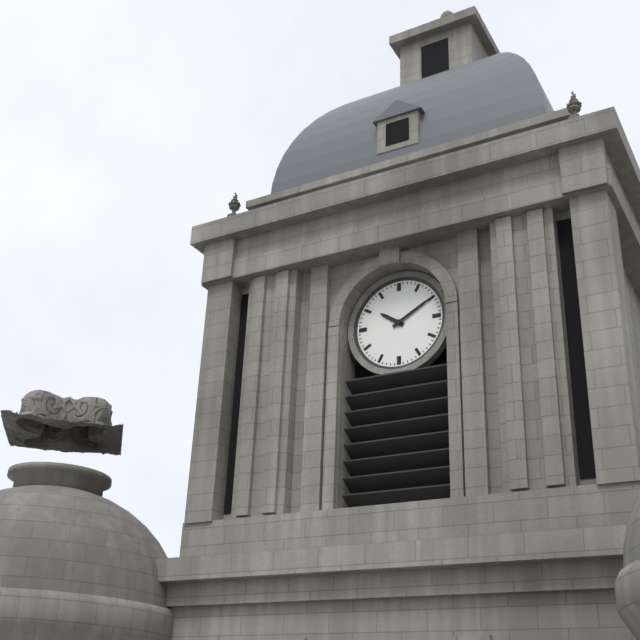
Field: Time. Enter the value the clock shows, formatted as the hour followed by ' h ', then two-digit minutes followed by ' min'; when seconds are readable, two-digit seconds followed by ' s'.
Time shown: 10 h 10 min
